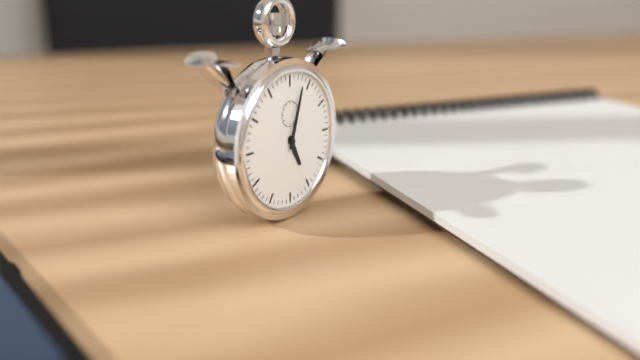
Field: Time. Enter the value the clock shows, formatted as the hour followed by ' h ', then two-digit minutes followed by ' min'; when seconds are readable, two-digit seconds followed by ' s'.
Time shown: 5 h 03 min
